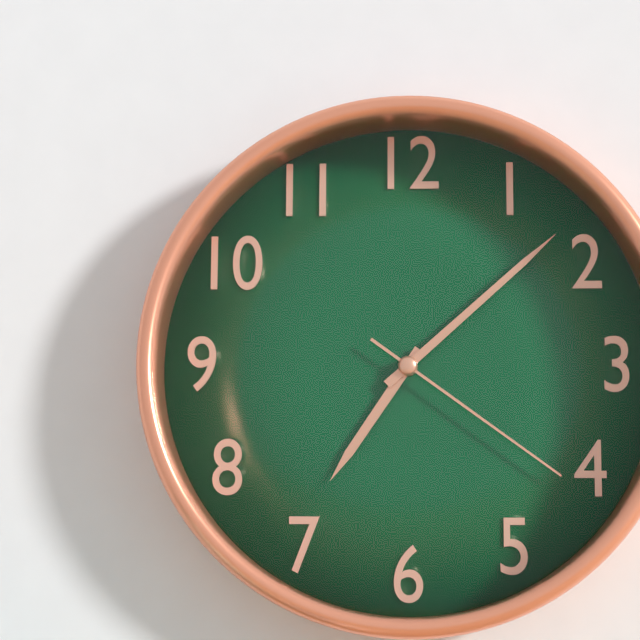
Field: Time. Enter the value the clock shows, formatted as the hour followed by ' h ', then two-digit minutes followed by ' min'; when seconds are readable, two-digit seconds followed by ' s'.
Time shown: 7 h 08 min 21 s
